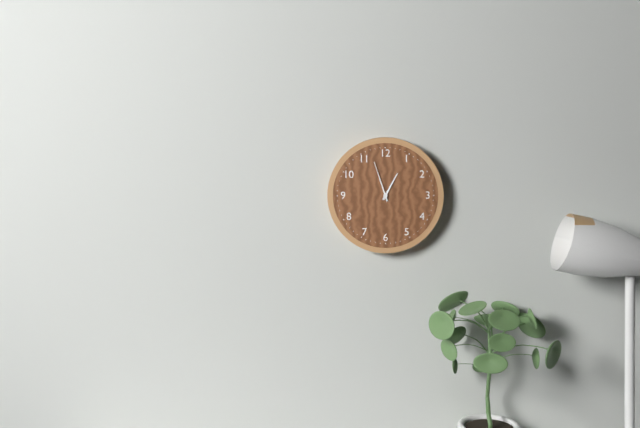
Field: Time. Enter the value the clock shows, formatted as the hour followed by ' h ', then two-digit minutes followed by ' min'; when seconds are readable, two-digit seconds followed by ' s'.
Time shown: 12 h 57 min
